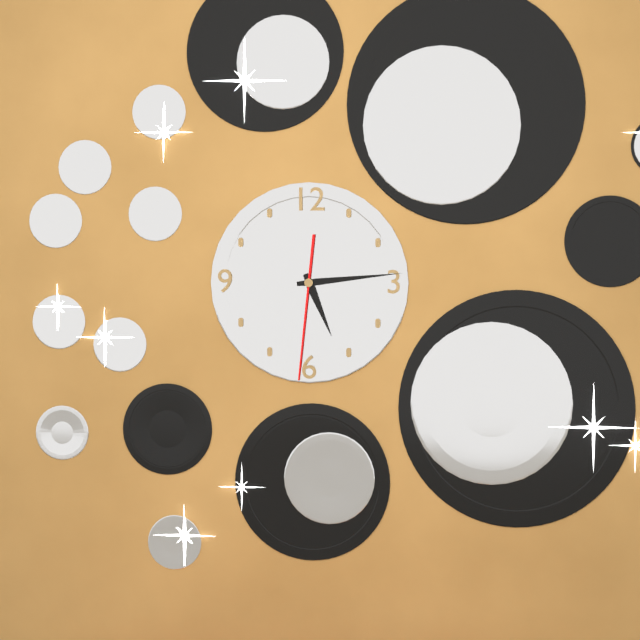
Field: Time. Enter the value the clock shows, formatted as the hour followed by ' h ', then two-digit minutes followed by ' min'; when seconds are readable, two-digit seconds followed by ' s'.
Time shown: 5 h 14 min 31 s
